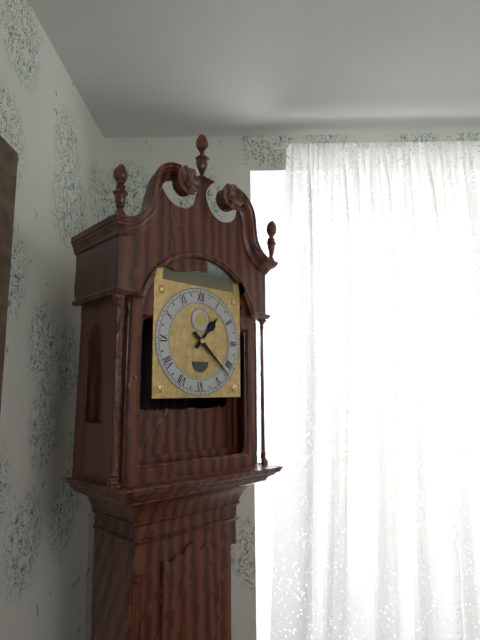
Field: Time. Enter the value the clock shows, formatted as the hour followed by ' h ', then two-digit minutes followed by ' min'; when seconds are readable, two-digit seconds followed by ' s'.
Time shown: 1 h 22 min
